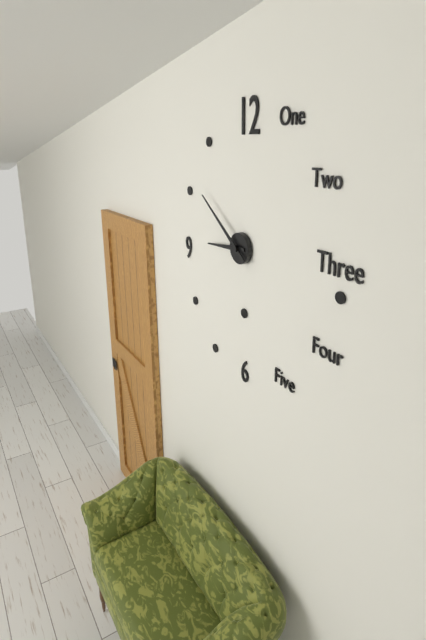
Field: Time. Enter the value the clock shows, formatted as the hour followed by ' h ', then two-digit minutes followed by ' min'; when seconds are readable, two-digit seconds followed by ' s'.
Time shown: 8 h 51 min
